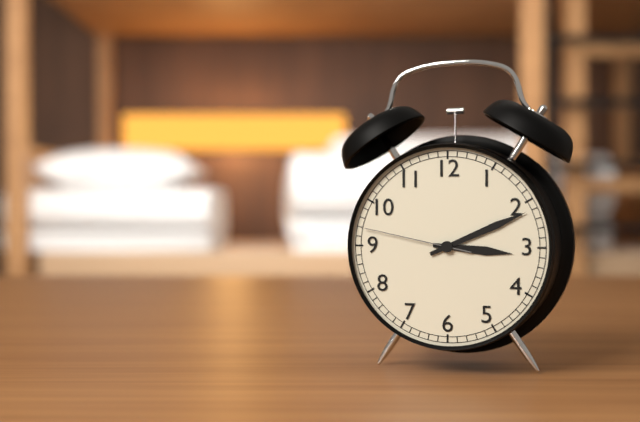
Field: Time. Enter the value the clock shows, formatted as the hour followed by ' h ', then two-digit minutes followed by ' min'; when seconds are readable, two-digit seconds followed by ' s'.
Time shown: 3 h 11 min 47 s
